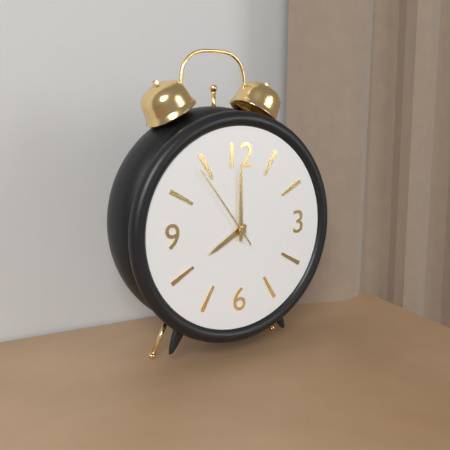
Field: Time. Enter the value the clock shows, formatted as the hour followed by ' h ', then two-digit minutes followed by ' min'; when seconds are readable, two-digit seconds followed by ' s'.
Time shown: 8 h 00 min 54 s
